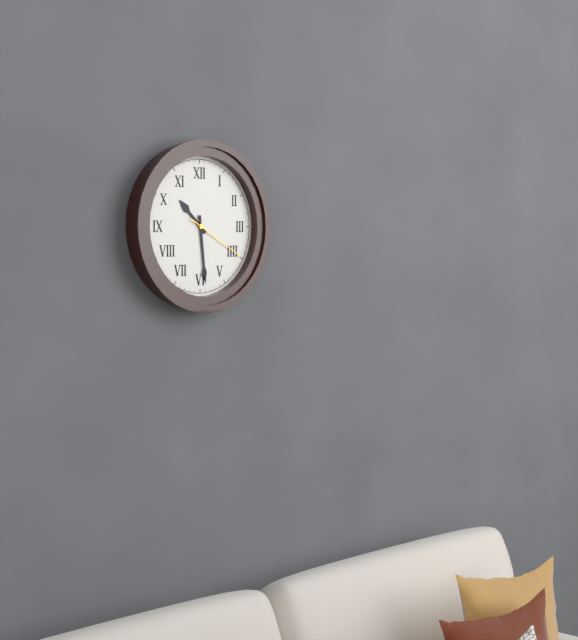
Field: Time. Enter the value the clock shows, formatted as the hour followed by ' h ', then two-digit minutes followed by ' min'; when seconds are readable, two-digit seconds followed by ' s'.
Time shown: 10 h 29 min 20 s
